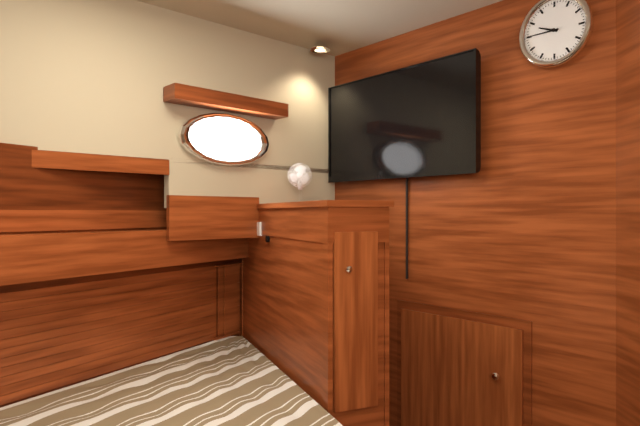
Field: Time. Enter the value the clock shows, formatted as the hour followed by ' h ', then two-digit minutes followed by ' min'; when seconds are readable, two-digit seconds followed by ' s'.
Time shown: 9 h 45 min
